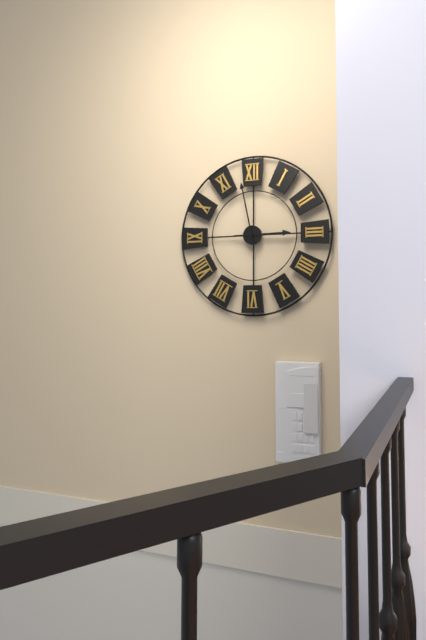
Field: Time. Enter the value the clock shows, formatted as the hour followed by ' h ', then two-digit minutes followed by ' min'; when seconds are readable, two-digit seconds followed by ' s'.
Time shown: 2 h 58 min
